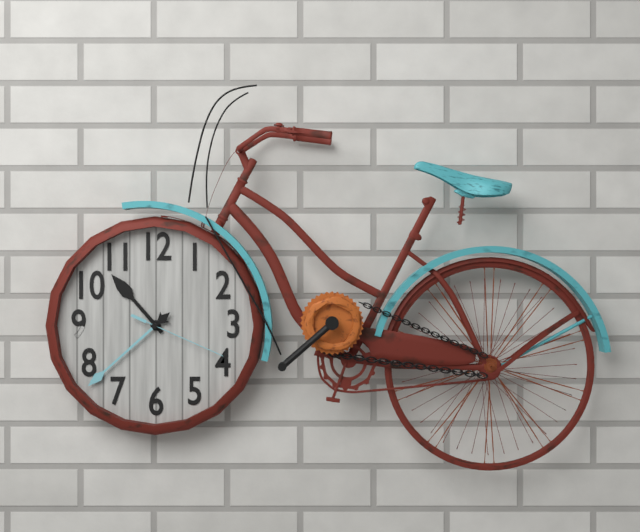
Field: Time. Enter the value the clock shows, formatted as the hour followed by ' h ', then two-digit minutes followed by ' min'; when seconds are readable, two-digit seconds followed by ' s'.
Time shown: 10 h 38 min 19 s
